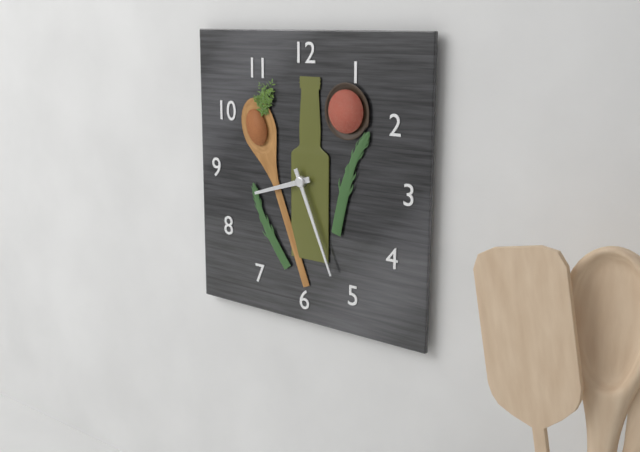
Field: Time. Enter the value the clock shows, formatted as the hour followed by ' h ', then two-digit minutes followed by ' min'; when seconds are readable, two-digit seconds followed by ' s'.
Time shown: 8 h 26 min
